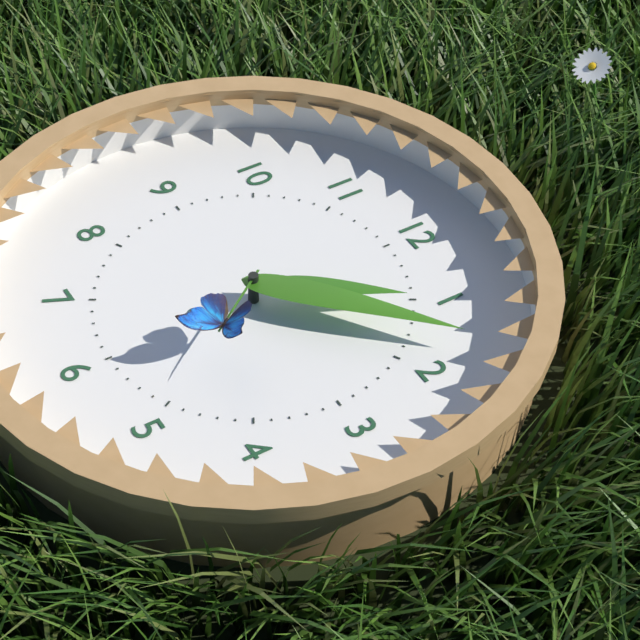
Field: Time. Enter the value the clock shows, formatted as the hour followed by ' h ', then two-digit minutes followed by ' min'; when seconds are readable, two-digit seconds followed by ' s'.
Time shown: 1 h 08 min 24 s
